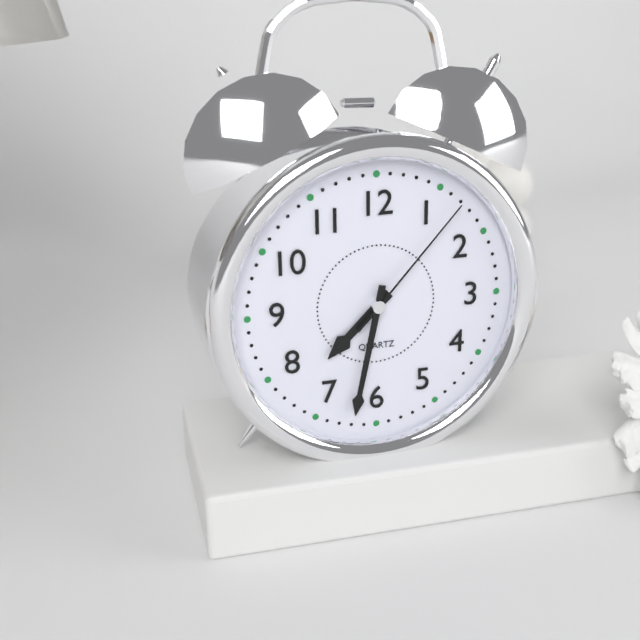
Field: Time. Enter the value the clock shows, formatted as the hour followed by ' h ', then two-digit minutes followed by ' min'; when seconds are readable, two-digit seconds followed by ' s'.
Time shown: 7 h 32 min 07 s
